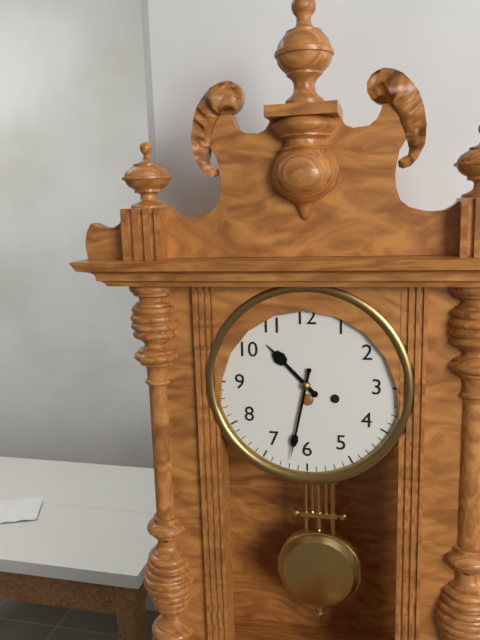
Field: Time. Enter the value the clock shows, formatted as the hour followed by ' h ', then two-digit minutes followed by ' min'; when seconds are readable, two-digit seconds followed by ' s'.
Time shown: 10 h 32 min
